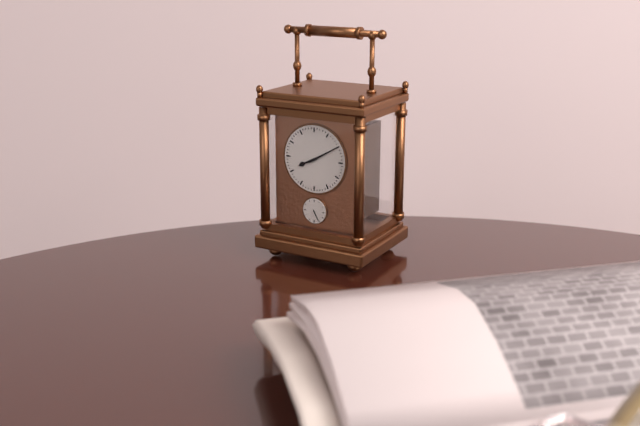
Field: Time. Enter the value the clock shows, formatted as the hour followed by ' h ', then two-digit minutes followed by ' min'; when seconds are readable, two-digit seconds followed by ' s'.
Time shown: 8 h 10 min
